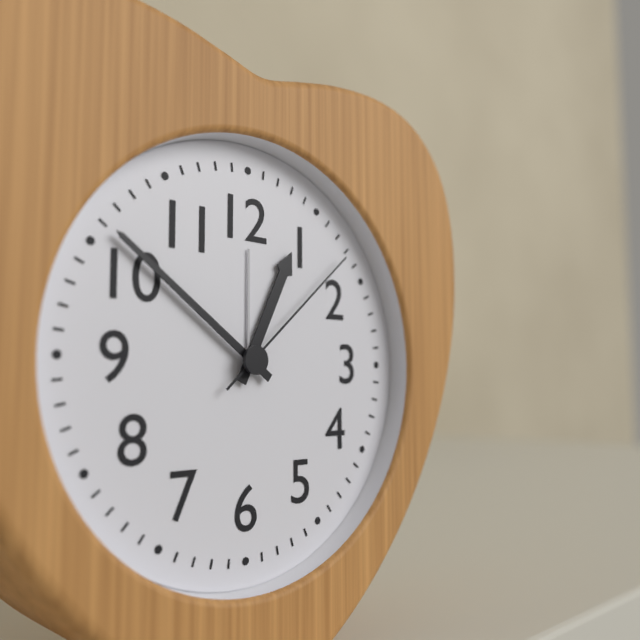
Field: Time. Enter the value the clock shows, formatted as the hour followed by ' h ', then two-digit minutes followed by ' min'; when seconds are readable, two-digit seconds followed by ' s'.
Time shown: 12 h 51 min 08 s
